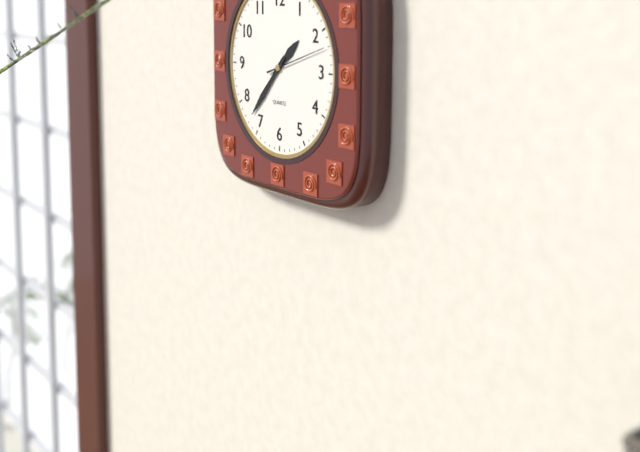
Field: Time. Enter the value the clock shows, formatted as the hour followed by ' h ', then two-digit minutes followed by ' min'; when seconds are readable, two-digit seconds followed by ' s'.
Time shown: 1 h 37 min 12 s
